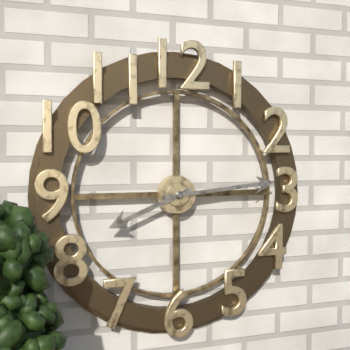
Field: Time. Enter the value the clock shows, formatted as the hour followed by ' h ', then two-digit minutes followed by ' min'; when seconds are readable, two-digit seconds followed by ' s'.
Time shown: 8 h 14 min
